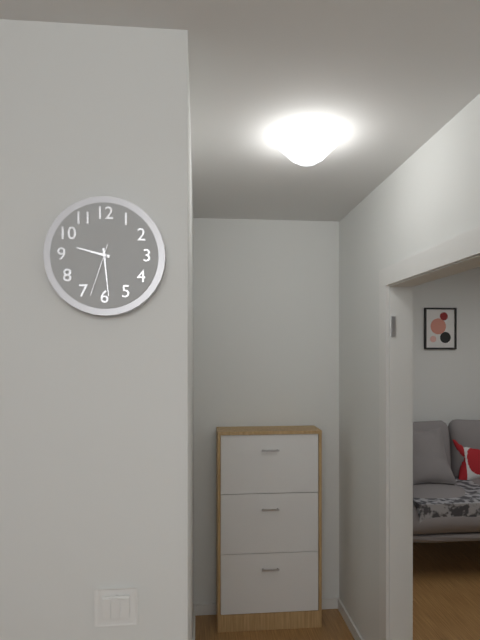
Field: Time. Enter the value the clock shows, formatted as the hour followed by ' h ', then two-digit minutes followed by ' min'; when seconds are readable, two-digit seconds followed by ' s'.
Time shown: 9 h 29 min 33 s
